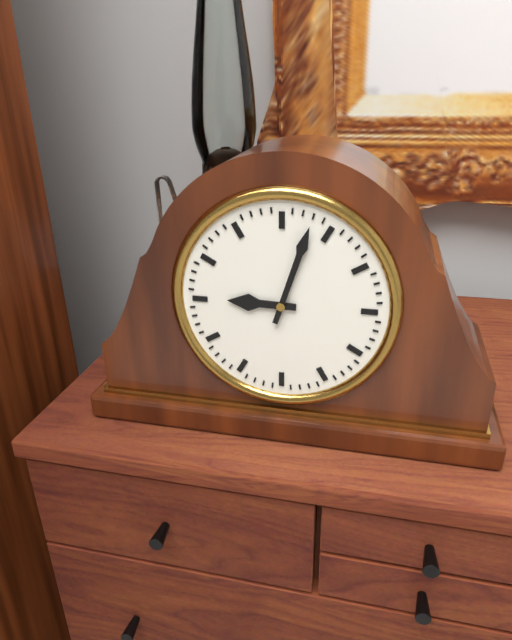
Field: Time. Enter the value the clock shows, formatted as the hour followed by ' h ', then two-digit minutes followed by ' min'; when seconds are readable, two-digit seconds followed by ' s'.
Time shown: 9 h 03 min
